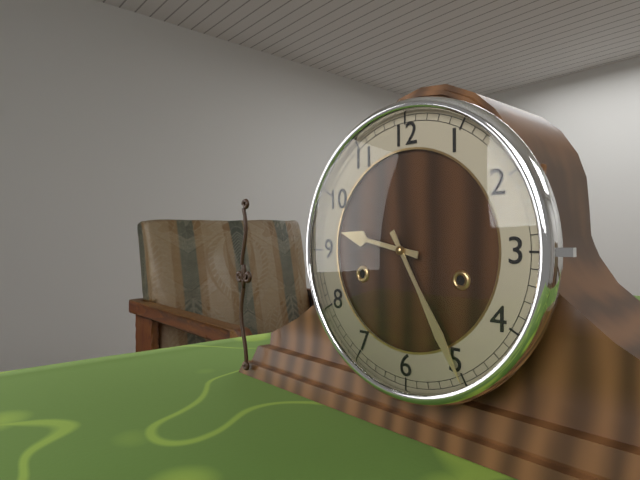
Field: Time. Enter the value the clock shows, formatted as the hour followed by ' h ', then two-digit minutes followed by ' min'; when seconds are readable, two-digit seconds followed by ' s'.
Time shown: 9 h 25 min
